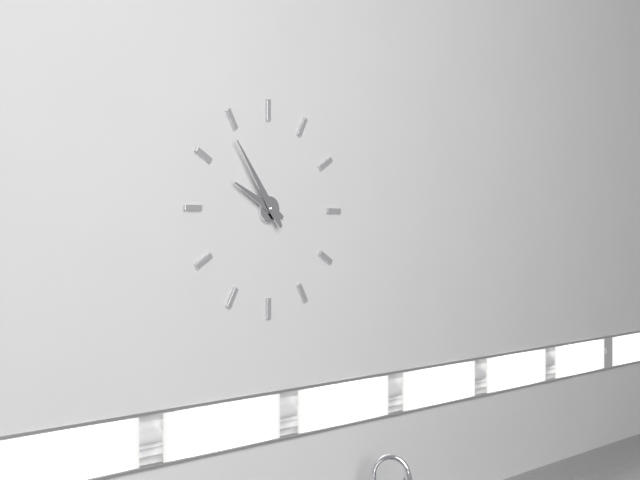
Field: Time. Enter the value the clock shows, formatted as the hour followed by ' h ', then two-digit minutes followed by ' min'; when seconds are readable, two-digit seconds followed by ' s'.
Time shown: 9 h 54 min
